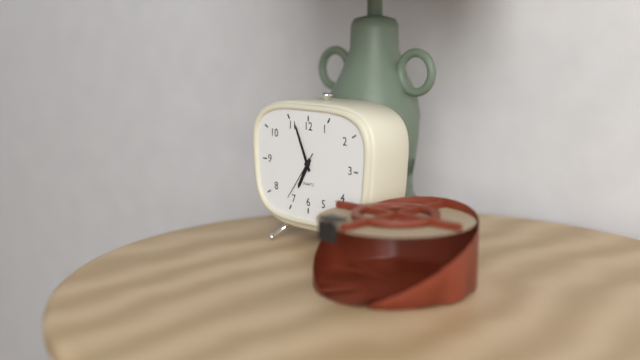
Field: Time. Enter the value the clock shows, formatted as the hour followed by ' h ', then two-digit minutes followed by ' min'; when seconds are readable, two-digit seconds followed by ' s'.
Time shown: 6 h 56 min
